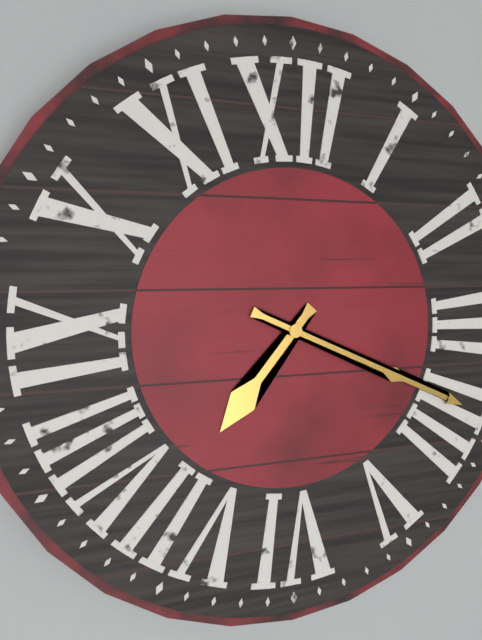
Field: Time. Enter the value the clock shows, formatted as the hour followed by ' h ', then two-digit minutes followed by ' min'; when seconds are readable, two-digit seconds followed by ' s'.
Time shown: 7 h 19 min
